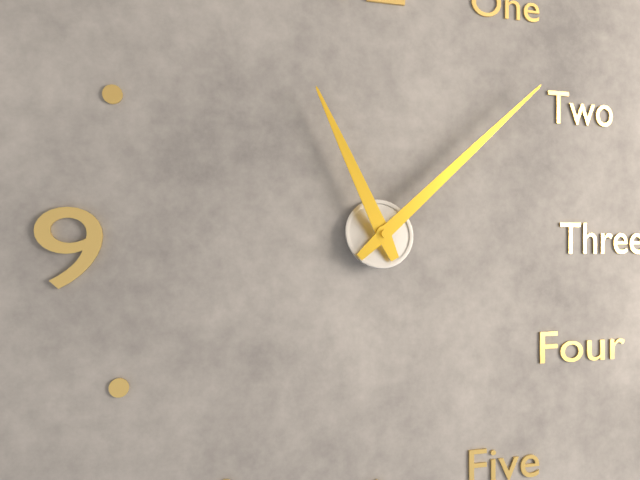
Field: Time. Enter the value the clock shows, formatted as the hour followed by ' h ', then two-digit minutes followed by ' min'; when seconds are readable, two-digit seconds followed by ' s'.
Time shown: 11 h 08 min
